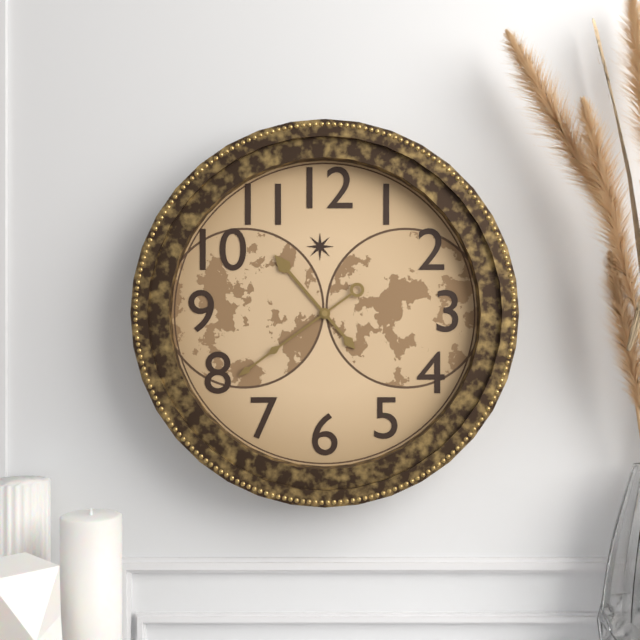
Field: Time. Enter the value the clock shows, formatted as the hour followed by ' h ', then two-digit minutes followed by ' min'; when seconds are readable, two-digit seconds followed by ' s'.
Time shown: 10 h 39 min
